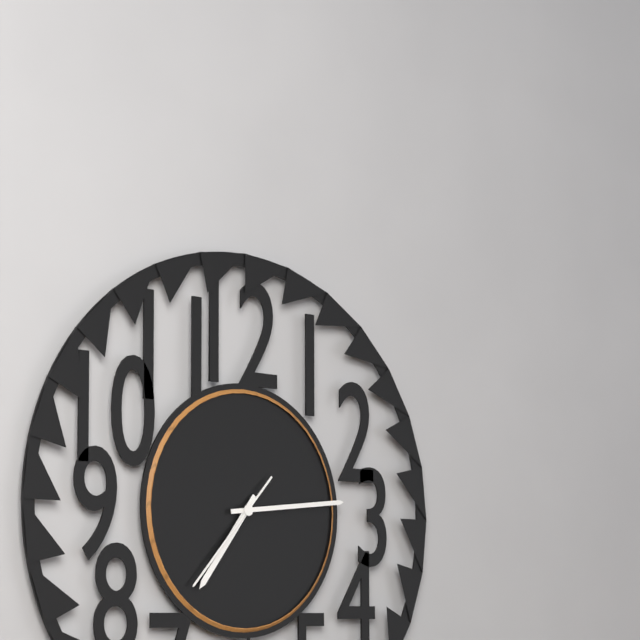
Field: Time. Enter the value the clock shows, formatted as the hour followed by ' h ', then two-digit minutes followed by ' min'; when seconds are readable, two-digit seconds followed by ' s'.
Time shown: 7 h 14 min 37 s
